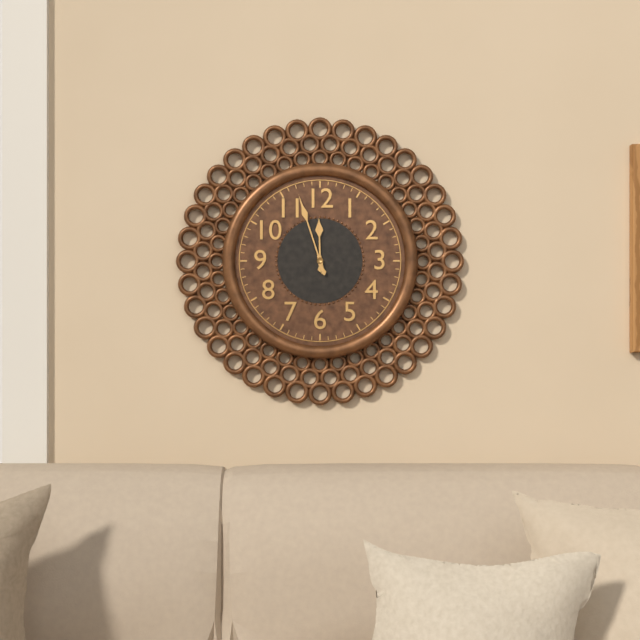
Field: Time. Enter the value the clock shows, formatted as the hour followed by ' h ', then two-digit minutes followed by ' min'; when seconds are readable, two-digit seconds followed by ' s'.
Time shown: 11 h 57 min
